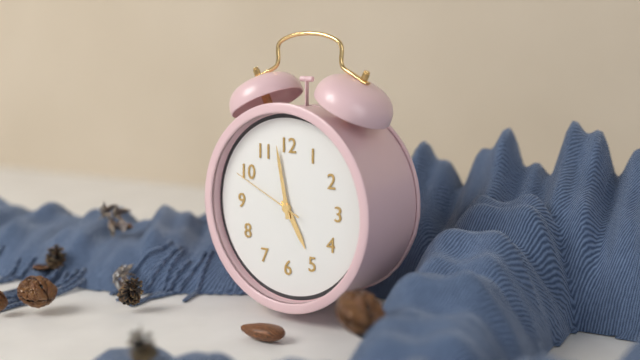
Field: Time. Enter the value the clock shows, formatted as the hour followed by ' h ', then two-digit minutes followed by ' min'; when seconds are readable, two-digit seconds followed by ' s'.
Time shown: 4 h 58 min 49 s
